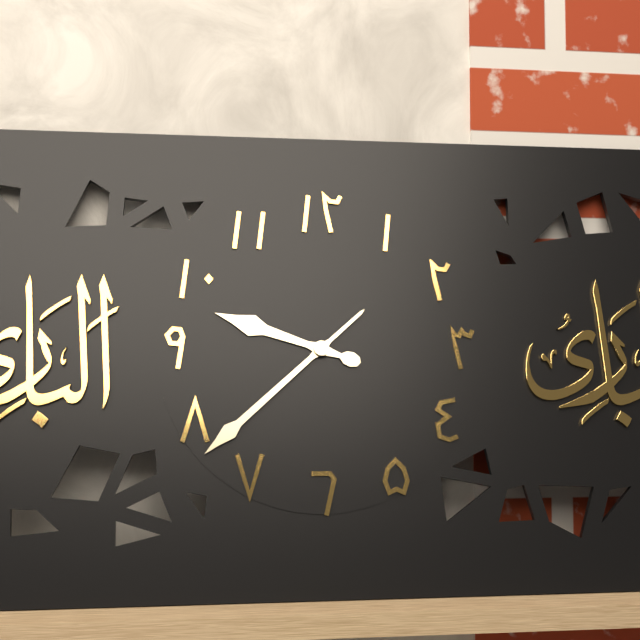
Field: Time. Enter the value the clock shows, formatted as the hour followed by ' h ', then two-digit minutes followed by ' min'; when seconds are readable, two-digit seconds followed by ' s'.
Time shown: 9 h 38 min
